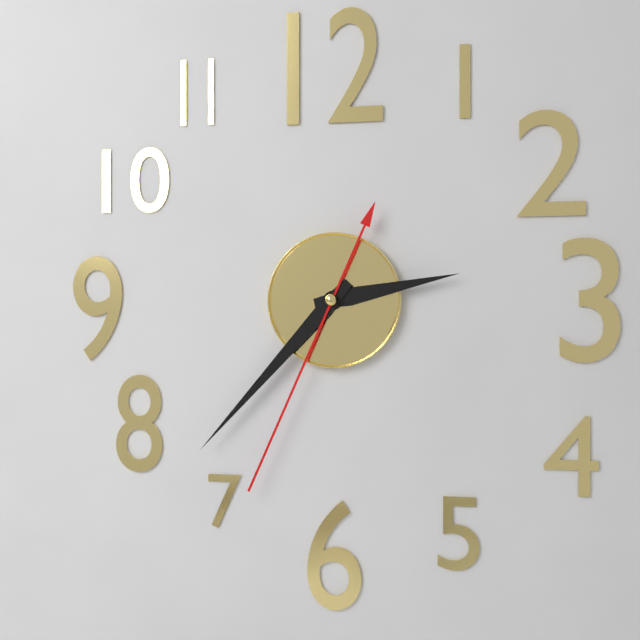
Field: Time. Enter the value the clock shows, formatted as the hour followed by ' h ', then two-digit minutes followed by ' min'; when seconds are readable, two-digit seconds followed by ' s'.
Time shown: 2 h 37 min 34 s
